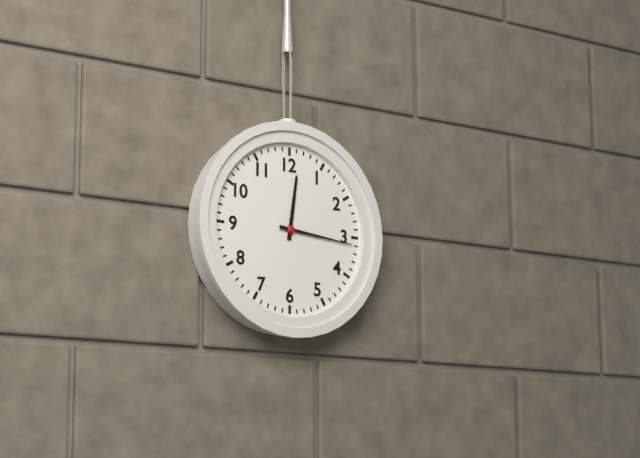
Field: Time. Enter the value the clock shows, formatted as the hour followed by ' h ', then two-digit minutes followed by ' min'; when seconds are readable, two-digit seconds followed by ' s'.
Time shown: 12 h 16 min
